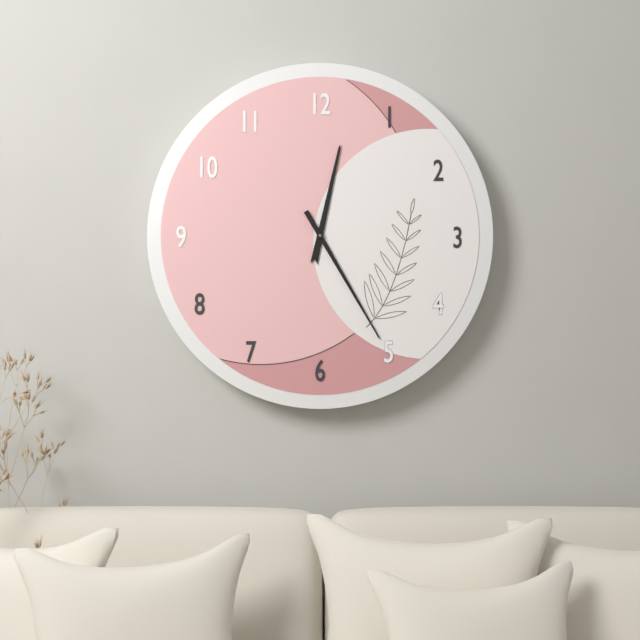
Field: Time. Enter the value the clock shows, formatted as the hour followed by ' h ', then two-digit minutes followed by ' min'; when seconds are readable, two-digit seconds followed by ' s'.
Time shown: 12 h 25 min
